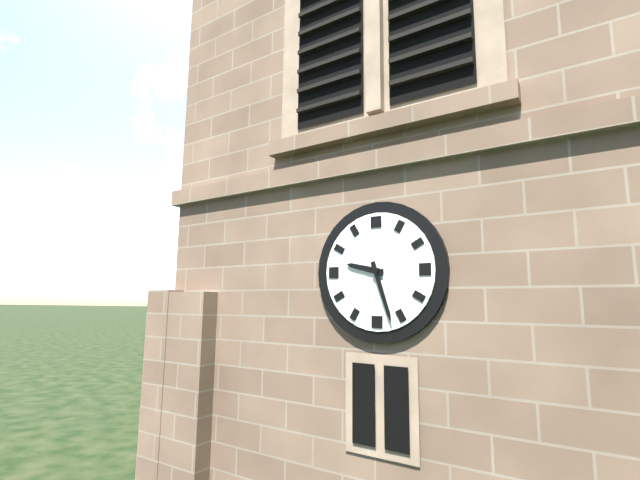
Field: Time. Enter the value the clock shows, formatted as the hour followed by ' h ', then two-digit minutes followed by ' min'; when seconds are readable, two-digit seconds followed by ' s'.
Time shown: 9 h 27 min
